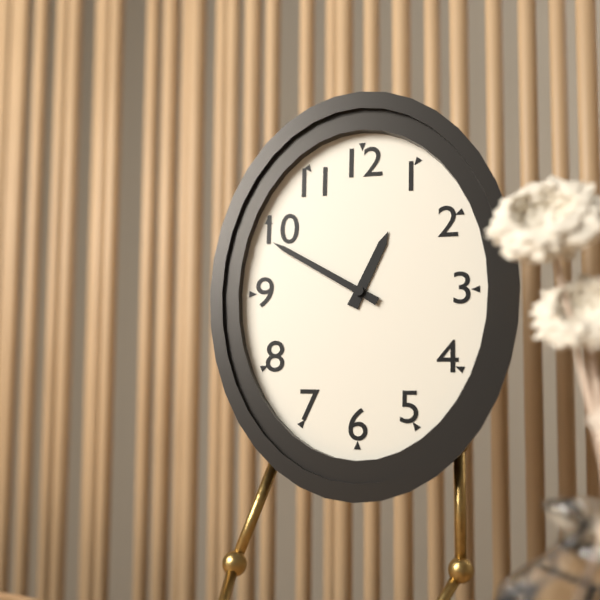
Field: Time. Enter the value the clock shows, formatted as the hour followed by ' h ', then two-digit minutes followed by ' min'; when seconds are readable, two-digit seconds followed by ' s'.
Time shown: 12 h 50 min
